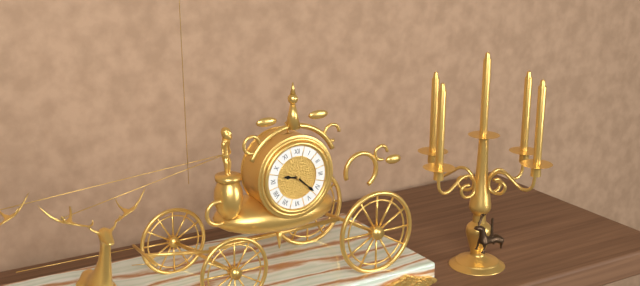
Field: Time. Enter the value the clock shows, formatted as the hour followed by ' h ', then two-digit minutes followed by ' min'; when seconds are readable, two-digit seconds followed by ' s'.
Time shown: 9 h 22 min
